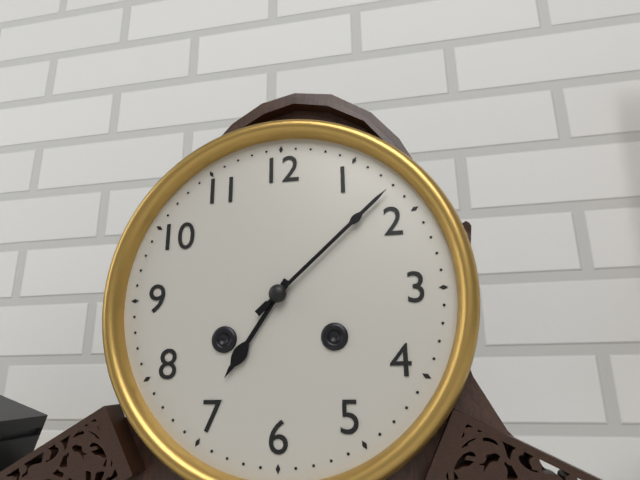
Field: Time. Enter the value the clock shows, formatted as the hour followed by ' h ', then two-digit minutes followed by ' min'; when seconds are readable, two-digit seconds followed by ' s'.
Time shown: 7 h 08 min
